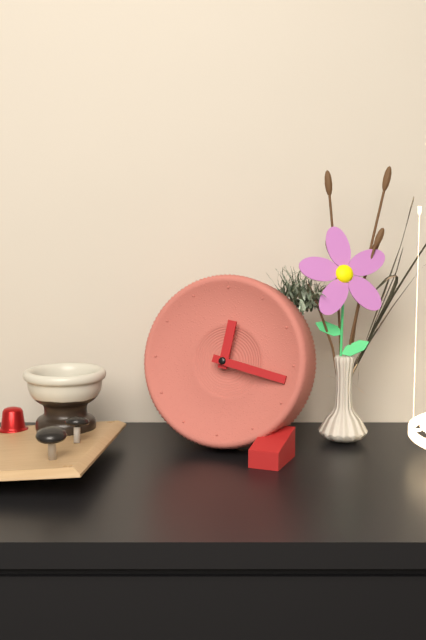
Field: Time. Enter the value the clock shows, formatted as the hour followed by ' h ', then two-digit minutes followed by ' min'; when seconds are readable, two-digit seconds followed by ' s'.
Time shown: 12 h 17 min
